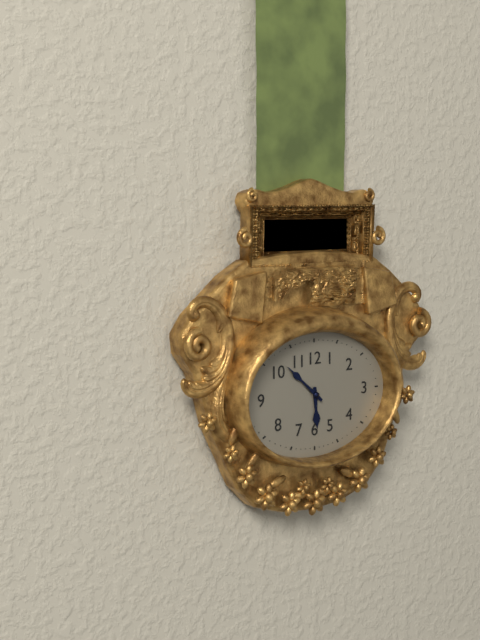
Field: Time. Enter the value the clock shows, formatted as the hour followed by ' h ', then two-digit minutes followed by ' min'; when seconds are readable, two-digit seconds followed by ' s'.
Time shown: 5 h 52 min
